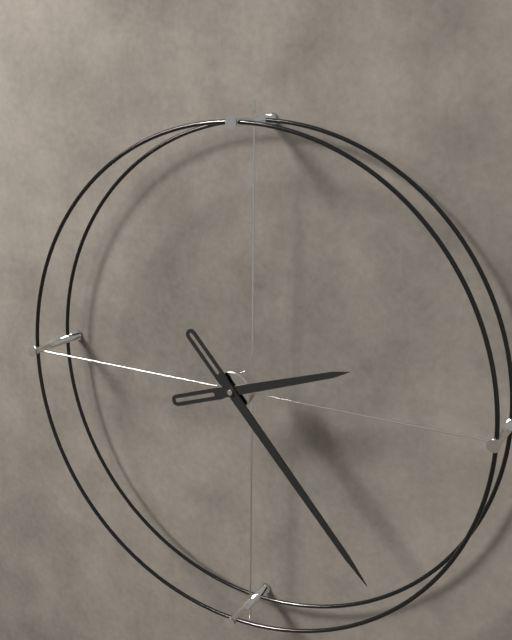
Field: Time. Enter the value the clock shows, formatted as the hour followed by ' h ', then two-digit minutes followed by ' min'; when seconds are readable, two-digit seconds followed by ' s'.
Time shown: 2 h 23 min
